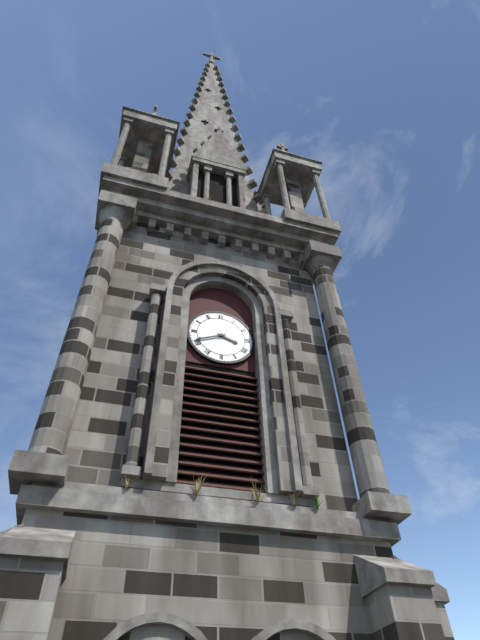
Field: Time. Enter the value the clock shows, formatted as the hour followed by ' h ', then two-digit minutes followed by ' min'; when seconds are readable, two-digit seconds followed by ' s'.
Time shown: 3 h 41 min
